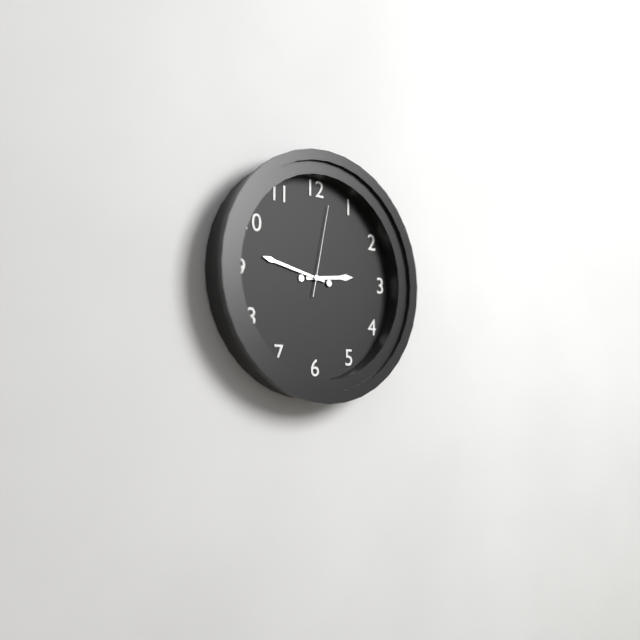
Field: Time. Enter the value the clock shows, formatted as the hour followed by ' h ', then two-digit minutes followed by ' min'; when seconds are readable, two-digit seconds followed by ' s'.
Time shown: 2 h 47 min 02 s
